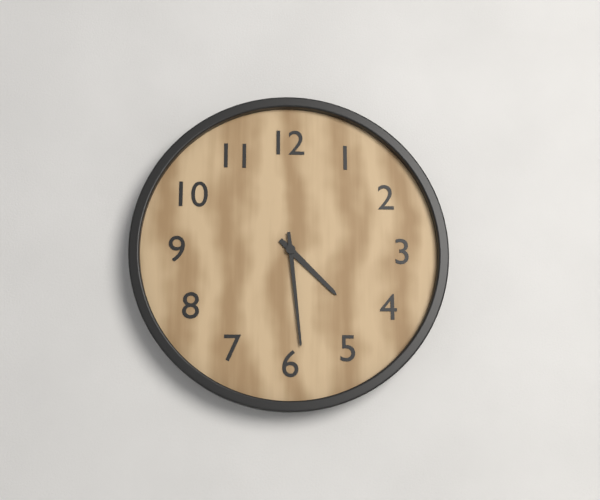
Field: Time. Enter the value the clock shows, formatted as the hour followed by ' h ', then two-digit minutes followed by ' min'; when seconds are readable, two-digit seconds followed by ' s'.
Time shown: 4 h 29 min
